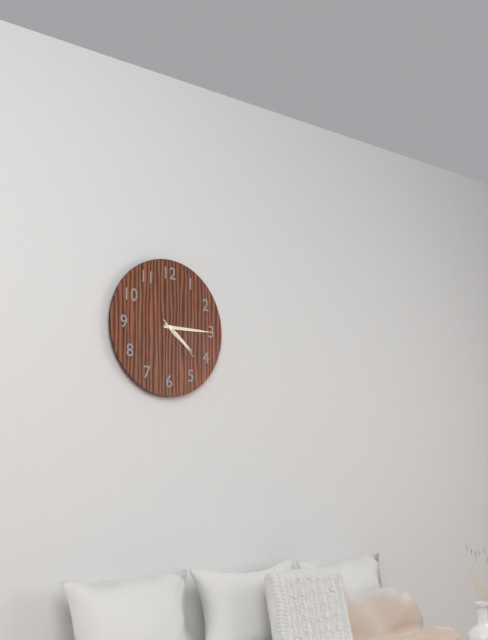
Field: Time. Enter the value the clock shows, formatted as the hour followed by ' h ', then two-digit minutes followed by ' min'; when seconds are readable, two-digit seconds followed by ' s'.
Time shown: 4 h 15 min
